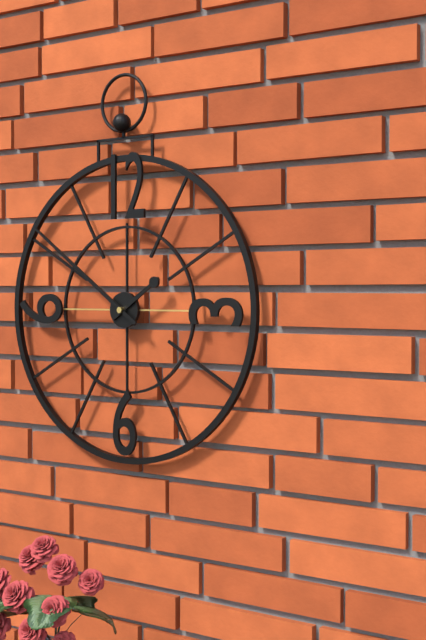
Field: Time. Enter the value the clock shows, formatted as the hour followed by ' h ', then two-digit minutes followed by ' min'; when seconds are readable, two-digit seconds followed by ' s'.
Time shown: 1 h 51 min
